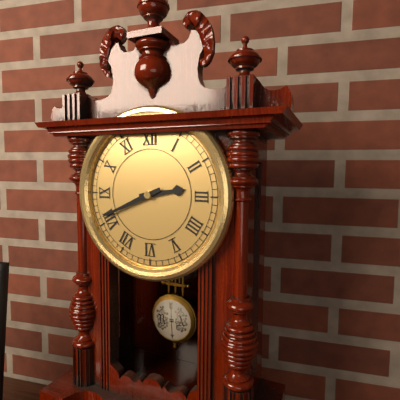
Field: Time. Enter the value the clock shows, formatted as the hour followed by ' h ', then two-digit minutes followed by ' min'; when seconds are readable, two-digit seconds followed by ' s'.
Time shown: 2 h 41 min
